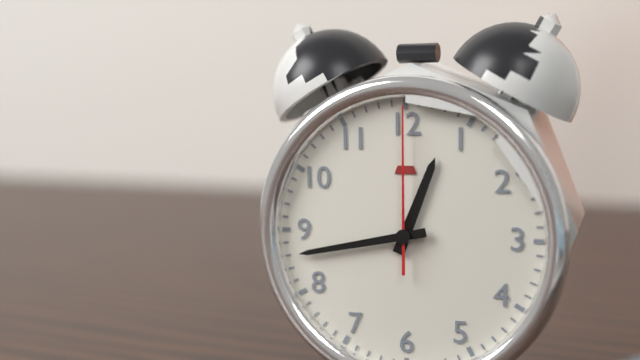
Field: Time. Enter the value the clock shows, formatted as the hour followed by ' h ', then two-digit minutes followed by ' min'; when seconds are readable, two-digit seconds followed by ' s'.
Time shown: 12 h 43 min 00 s
